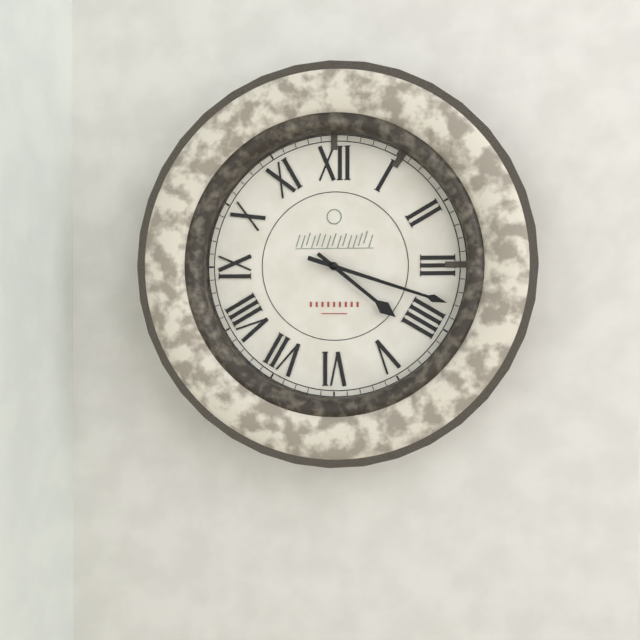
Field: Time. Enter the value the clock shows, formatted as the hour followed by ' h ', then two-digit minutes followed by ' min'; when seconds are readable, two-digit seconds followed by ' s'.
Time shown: 4 h 18 min
